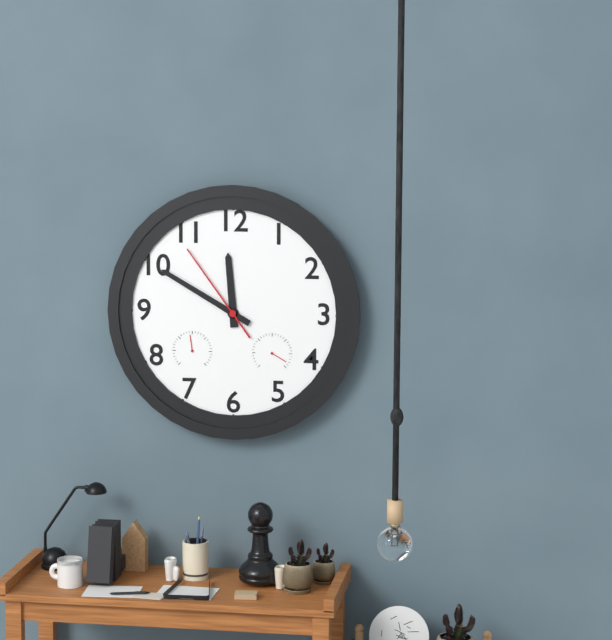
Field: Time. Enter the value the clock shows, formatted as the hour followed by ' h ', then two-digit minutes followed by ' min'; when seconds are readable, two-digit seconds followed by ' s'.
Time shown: 11 h 50 min 54 s
